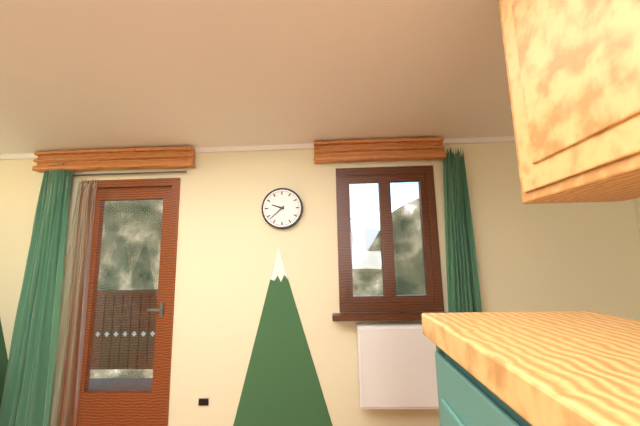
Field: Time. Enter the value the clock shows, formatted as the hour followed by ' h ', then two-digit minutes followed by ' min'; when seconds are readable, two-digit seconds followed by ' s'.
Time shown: 9 h 38 min
